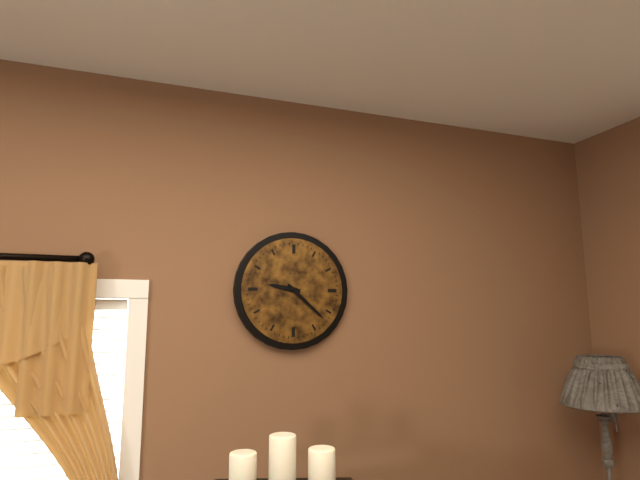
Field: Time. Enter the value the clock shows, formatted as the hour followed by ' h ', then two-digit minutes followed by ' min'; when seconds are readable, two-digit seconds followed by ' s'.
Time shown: 9 h 22 min
